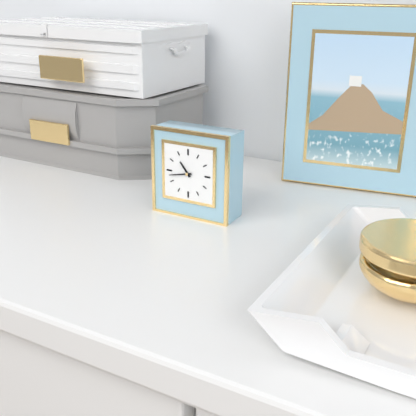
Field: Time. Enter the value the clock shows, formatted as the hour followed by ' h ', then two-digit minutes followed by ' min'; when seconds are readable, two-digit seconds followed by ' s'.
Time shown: 10 h 43 min
